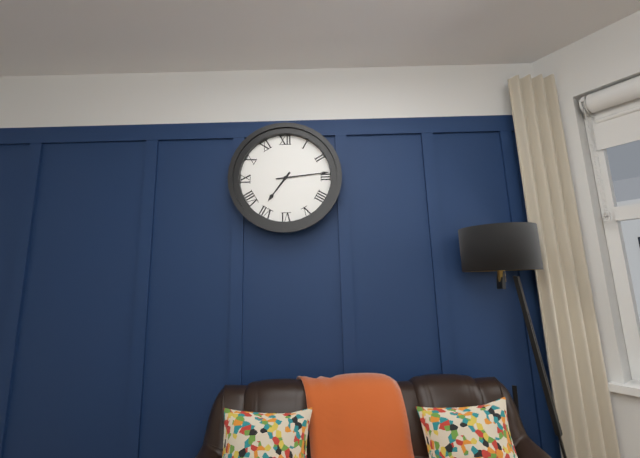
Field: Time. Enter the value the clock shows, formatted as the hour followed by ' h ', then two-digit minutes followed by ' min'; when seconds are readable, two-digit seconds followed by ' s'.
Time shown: 7 h 14 min
